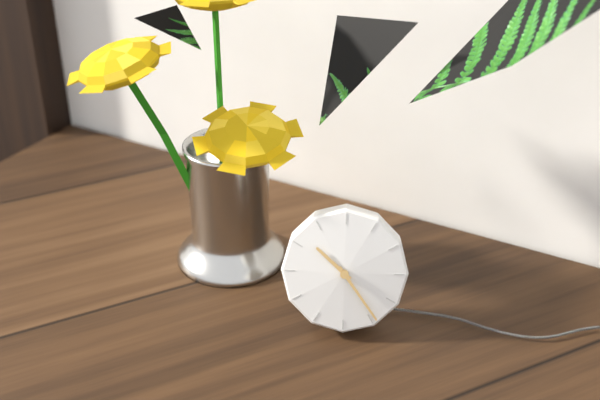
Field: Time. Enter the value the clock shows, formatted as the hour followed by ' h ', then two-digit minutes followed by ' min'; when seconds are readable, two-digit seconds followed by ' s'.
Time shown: 10 h 24 min
